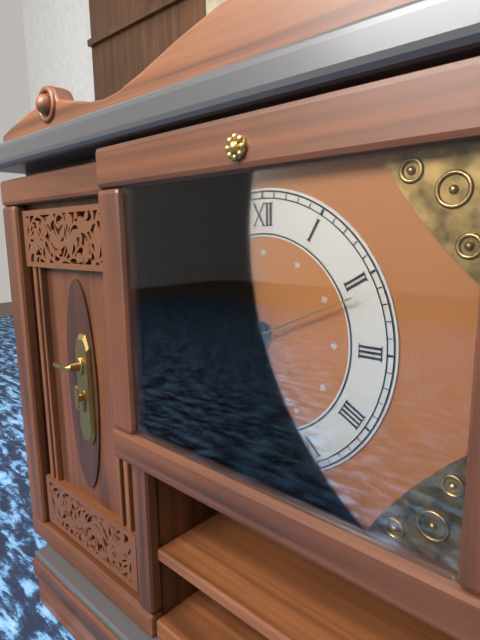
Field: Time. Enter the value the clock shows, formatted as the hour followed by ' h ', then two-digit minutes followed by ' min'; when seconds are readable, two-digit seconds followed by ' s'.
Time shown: 6 h 32 min 11 s
